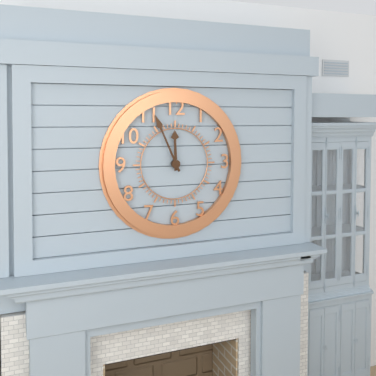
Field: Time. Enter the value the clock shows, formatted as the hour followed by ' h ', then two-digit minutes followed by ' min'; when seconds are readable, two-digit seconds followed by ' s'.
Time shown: 11 h 56 min
